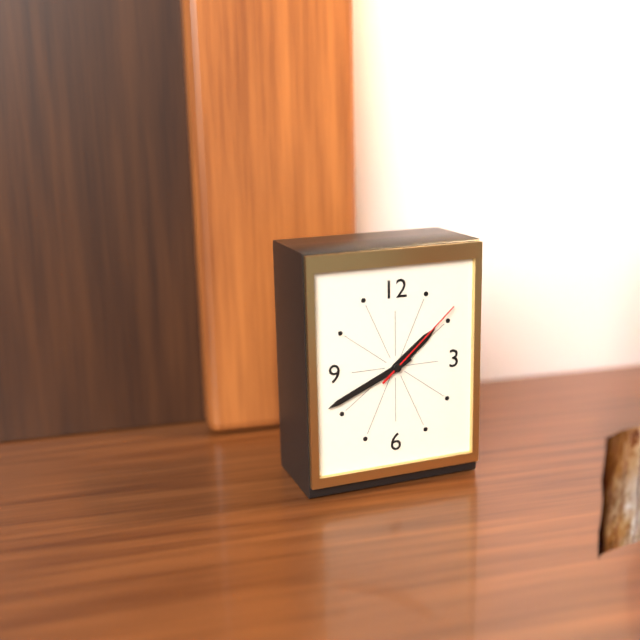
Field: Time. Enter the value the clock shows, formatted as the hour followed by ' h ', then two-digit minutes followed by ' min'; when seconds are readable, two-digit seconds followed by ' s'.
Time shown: 1 h 41 min 08 s
